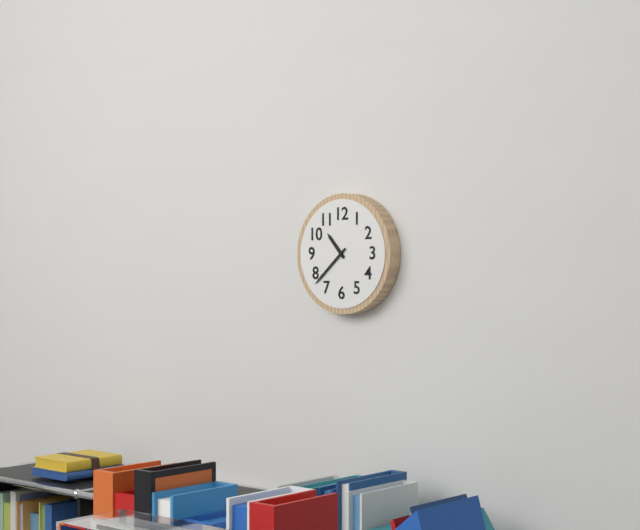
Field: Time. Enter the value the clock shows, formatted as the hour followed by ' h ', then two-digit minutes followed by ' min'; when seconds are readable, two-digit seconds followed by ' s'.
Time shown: 10 h 38 min
